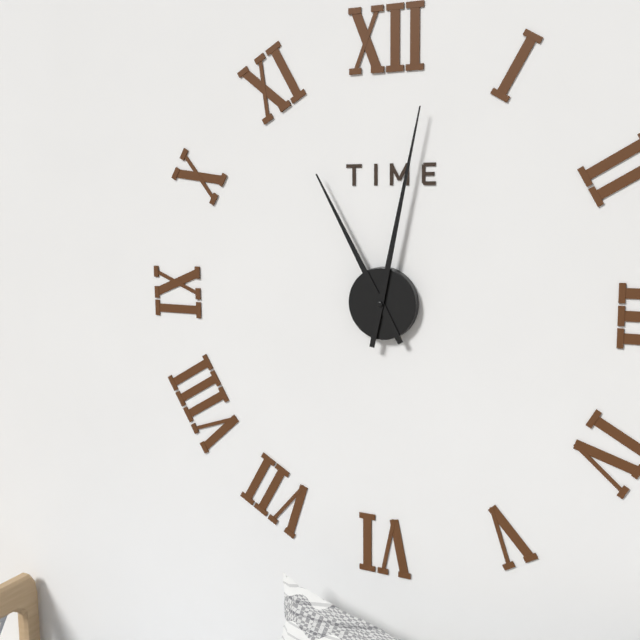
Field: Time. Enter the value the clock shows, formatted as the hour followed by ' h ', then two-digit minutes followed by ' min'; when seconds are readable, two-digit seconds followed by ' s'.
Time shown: 11 h 02 min
